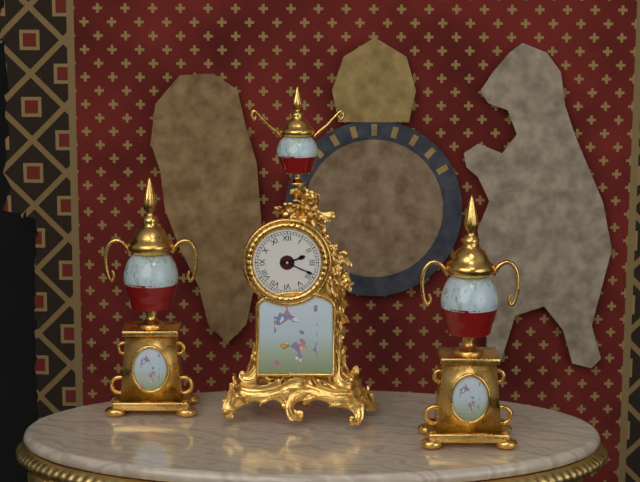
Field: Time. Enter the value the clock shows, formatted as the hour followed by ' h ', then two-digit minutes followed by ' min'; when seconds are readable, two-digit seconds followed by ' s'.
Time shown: 2 h 19 min
